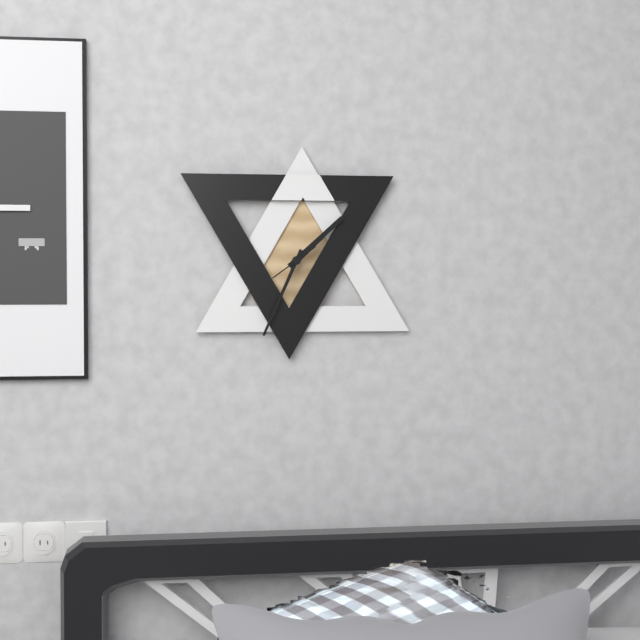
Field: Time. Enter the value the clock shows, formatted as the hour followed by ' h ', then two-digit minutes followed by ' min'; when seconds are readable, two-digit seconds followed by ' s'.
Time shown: 1 h 34 min
